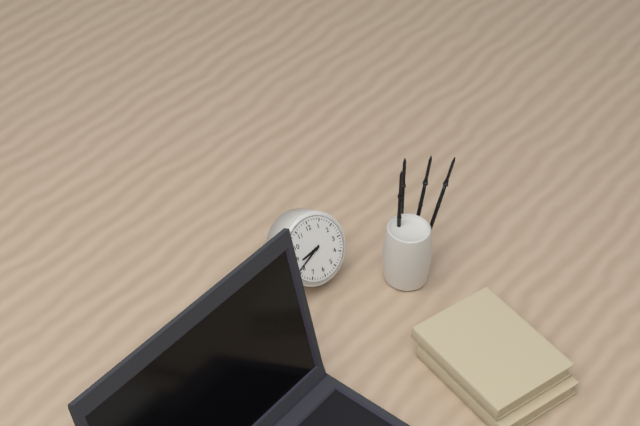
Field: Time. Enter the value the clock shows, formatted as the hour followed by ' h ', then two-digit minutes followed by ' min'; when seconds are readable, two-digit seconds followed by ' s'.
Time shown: 8 h 41 min
